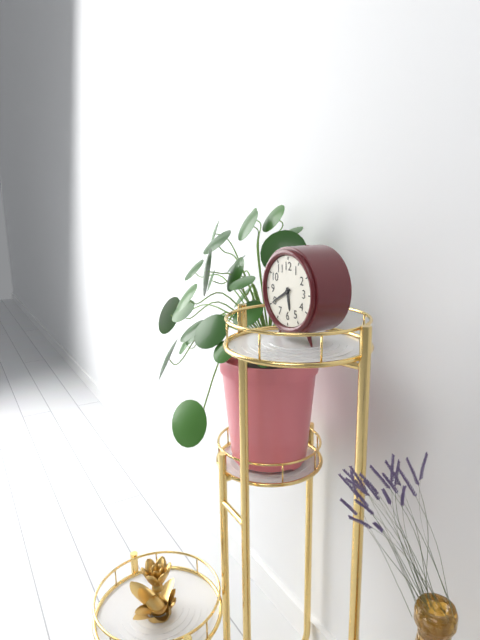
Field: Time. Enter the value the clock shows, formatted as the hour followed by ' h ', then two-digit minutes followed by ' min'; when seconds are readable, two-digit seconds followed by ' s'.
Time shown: 5 h 40 min
